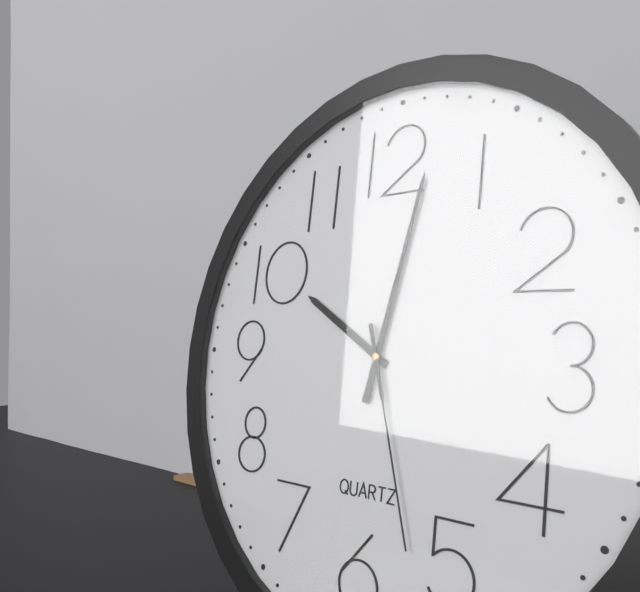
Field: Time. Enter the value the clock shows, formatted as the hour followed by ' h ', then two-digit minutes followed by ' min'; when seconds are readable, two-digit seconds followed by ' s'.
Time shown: 10 h 02 min 27 s
